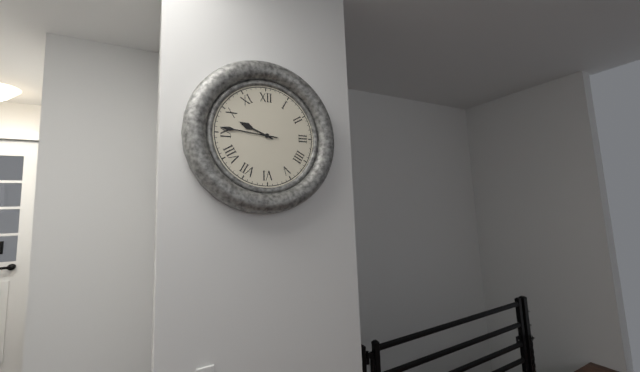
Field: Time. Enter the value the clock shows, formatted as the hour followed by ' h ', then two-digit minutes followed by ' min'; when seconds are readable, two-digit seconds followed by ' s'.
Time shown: 9 h 46 min
